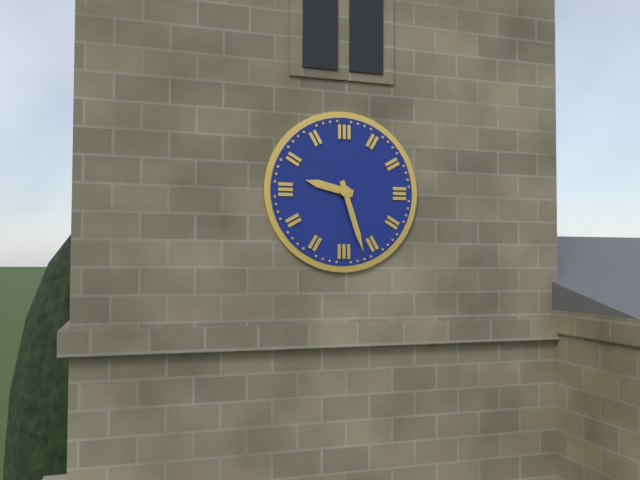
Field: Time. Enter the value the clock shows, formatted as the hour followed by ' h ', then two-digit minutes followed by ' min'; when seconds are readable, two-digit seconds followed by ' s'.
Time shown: 9 h 27 min
